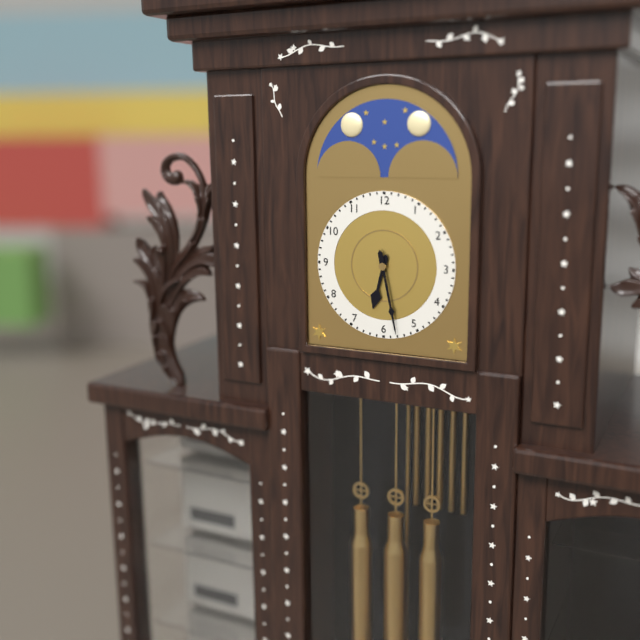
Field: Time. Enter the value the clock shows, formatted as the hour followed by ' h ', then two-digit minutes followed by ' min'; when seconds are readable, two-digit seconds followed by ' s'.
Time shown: 6 h 28 min
